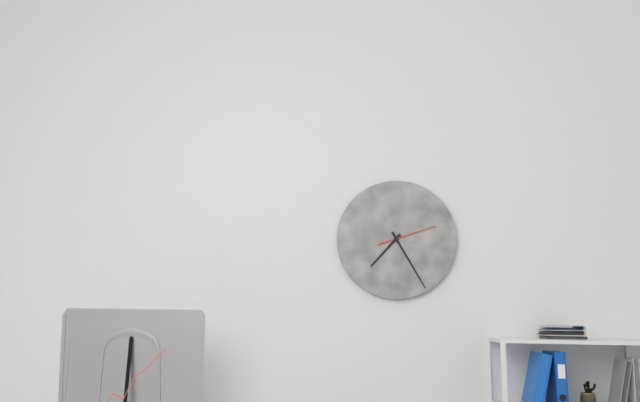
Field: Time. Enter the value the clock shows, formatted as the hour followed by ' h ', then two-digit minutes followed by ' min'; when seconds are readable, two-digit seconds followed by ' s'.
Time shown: 7 h 25 min 12 s
